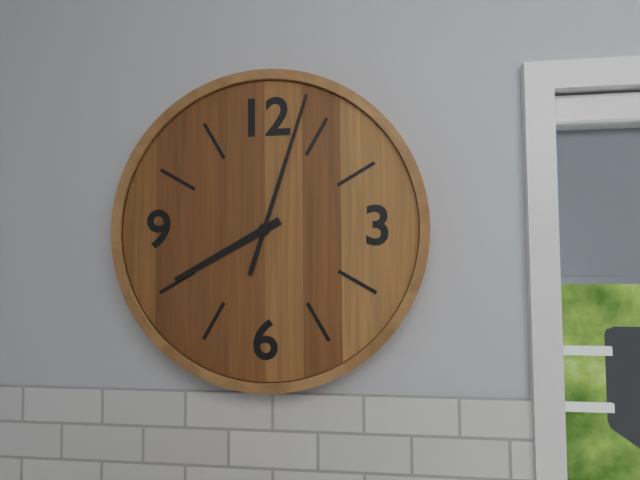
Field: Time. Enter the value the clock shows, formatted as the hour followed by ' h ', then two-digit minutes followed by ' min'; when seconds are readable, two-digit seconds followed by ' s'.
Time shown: 8 h 03 min
